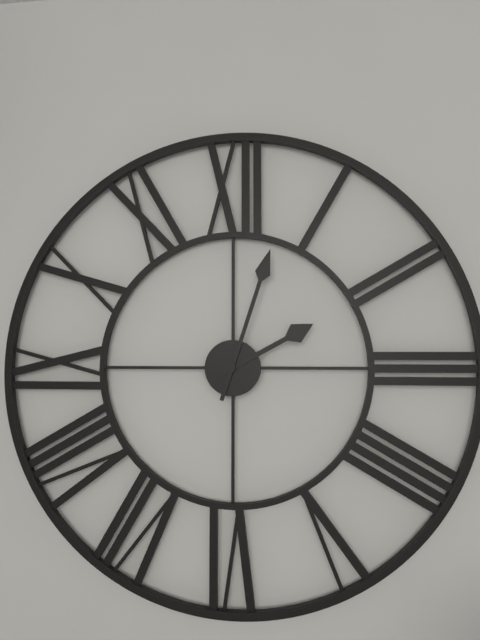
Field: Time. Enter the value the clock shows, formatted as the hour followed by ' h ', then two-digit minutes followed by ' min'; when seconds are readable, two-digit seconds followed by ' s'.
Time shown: 2 h 03 min
